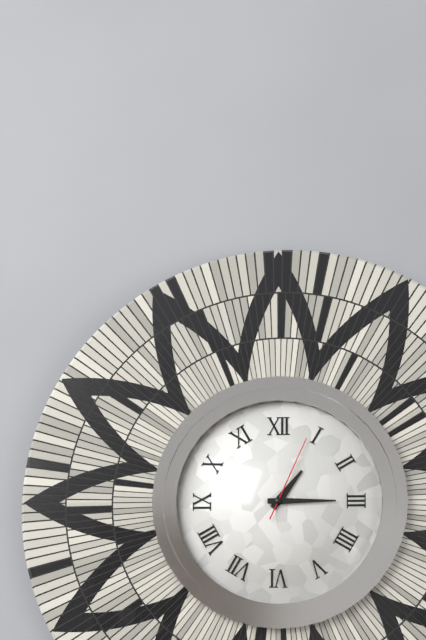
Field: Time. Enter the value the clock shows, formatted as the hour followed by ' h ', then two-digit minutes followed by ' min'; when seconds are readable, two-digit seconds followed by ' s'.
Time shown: 1 h 15 min 04 s
